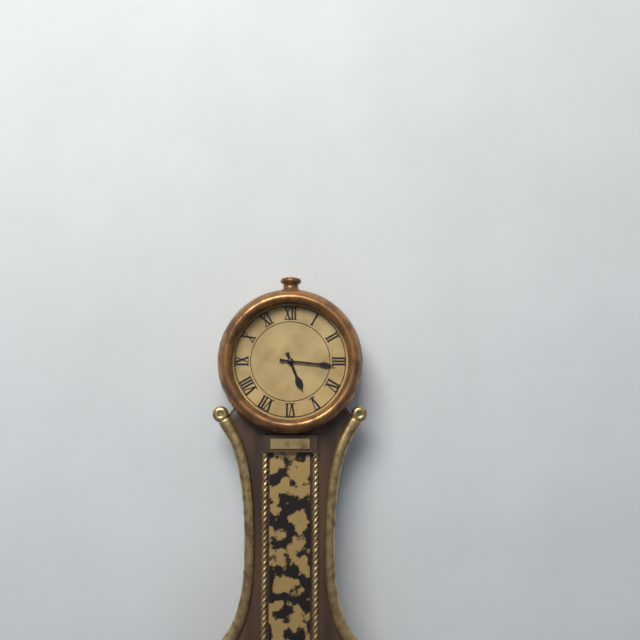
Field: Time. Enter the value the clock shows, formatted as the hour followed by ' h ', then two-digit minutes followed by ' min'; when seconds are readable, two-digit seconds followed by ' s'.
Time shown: 5 h 16 min
